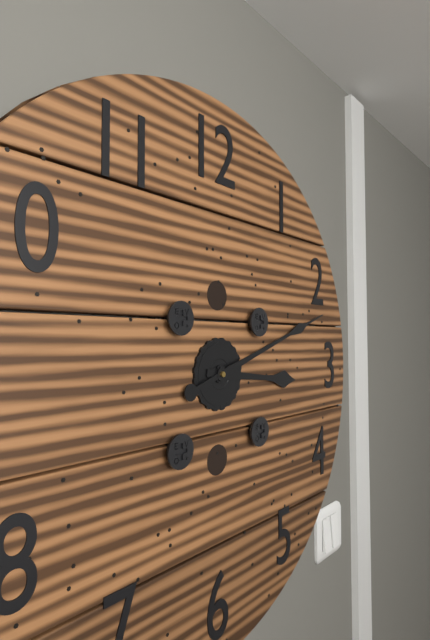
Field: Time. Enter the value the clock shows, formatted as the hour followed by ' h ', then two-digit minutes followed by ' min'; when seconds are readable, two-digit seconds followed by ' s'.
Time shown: 3 h 12 min
